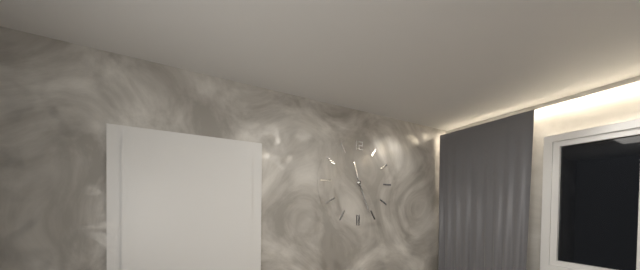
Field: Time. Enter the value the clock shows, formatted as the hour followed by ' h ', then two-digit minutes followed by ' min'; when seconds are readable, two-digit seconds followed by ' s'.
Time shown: 11 h 26 min
